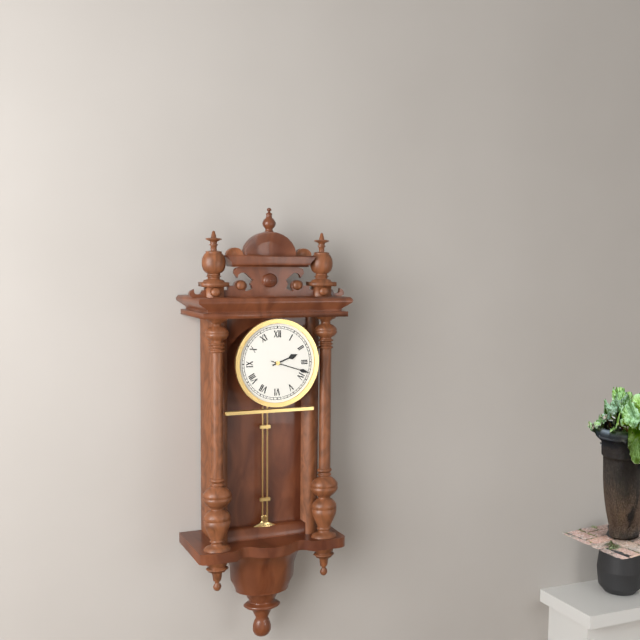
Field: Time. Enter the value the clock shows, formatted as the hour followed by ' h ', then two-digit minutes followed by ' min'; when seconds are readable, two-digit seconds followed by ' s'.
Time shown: 2 h 18 min
